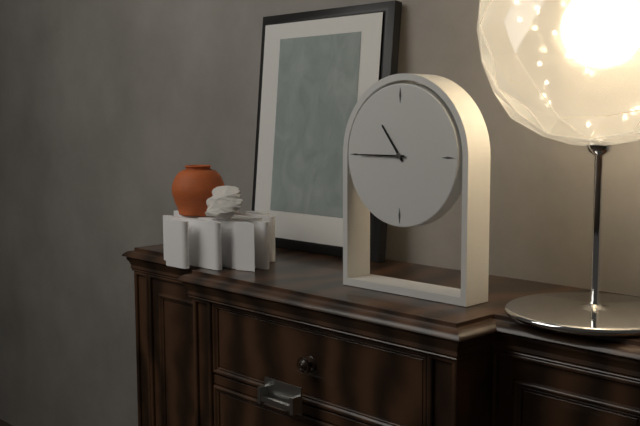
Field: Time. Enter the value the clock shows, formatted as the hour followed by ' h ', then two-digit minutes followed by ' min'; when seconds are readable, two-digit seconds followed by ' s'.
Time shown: 10 h 45 min
